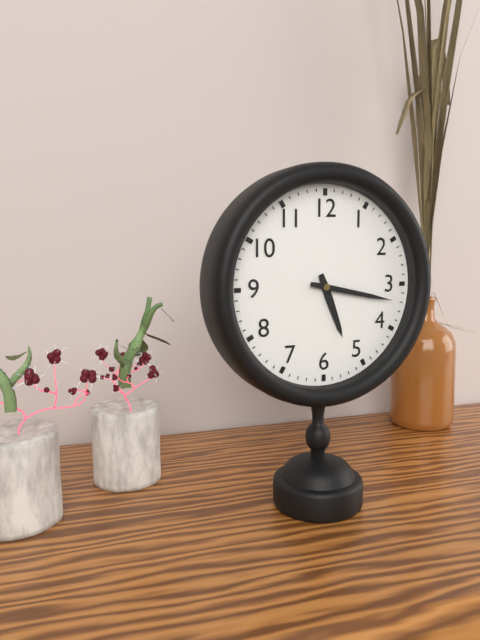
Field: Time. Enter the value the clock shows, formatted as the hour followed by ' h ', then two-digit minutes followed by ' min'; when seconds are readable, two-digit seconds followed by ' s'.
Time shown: 5 h 17 min
